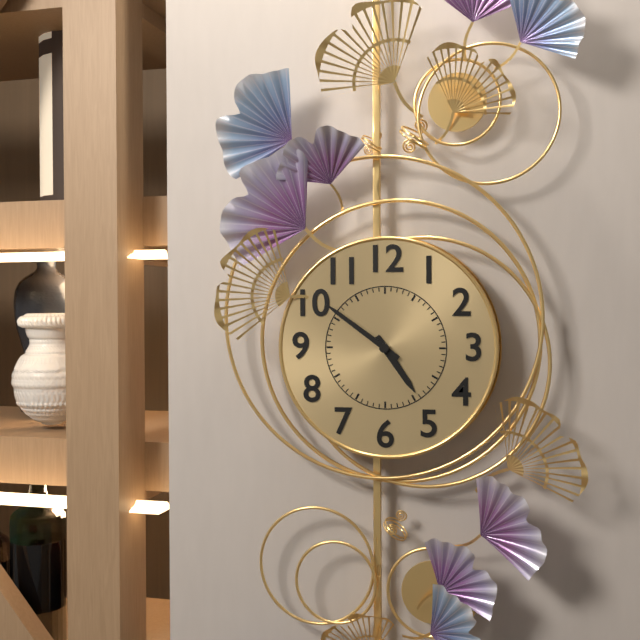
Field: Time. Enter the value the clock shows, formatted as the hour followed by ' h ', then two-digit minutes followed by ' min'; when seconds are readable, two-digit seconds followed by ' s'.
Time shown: 4 h 51 min
